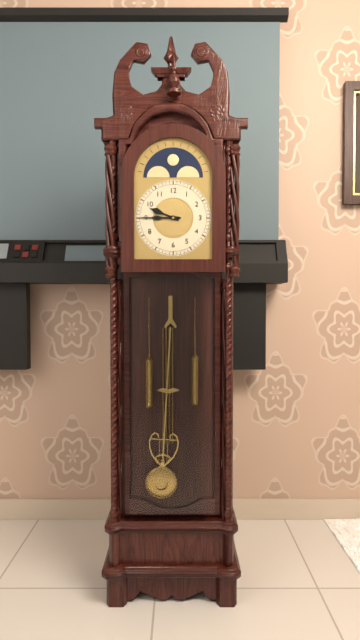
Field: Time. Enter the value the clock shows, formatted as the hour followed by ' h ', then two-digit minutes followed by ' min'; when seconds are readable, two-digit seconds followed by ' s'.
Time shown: 9 h 45 min
